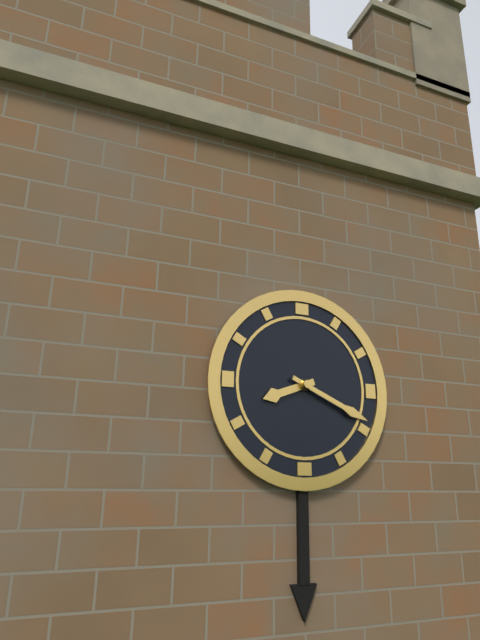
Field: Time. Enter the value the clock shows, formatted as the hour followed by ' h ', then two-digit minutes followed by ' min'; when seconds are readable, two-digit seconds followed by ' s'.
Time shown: 8 h 19 min
